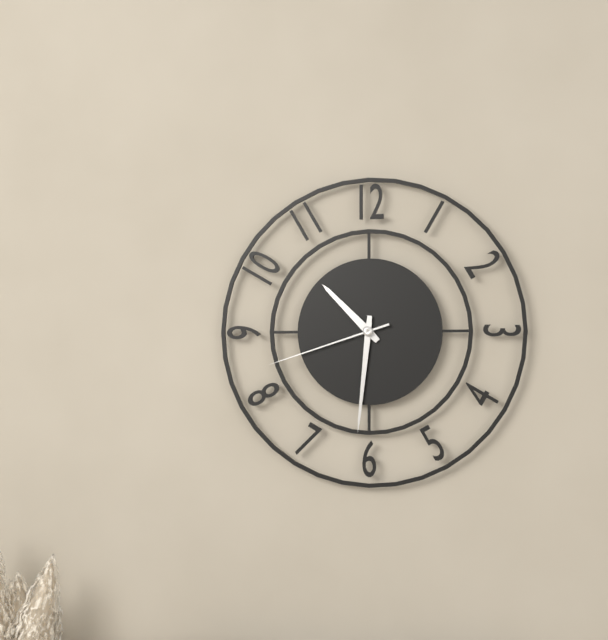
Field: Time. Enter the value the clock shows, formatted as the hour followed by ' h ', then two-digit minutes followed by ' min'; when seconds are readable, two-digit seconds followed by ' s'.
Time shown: 10 h 31 min 42 s
